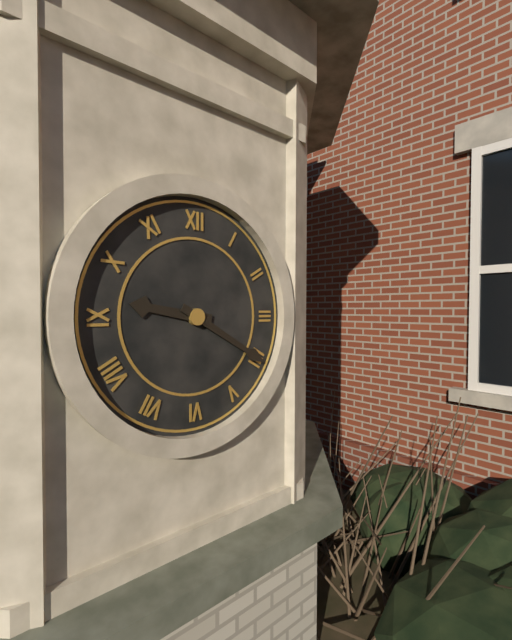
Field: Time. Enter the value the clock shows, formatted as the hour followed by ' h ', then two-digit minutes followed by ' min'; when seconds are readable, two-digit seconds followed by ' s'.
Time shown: 9 h 20 min
